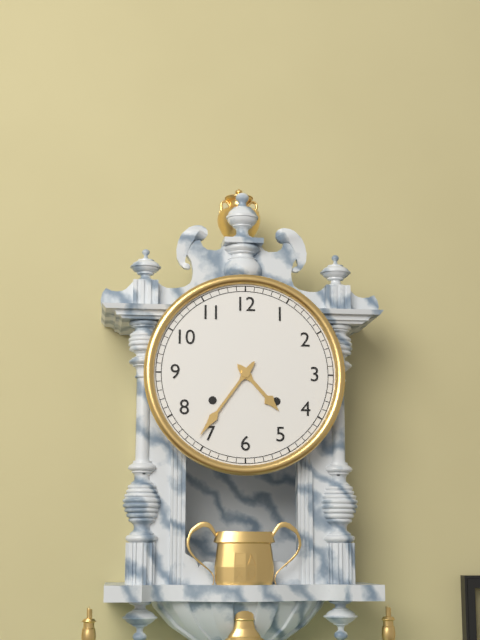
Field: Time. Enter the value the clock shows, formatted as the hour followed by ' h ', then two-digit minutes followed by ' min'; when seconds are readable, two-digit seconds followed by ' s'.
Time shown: 4 h 36 min
